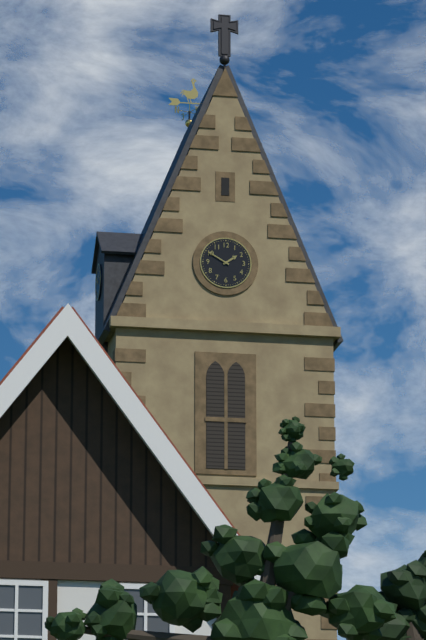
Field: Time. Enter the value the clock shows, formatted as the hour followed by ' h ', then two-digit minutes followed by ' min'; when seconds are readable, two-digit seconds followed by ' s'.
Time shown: 1 h 50 min
